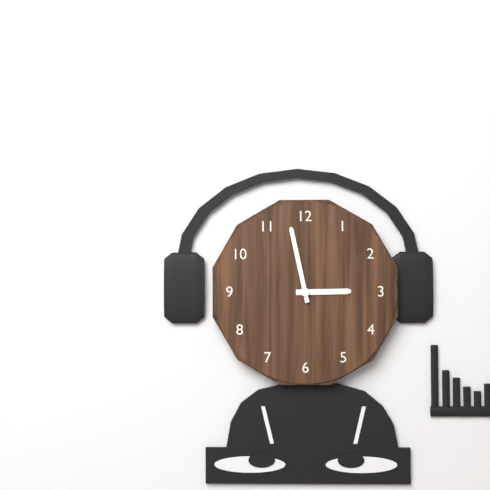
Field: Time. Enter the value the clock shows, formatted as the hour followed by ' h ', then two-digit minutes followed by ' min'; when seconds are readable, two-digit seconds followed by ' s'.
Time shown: 2 h 58 min
